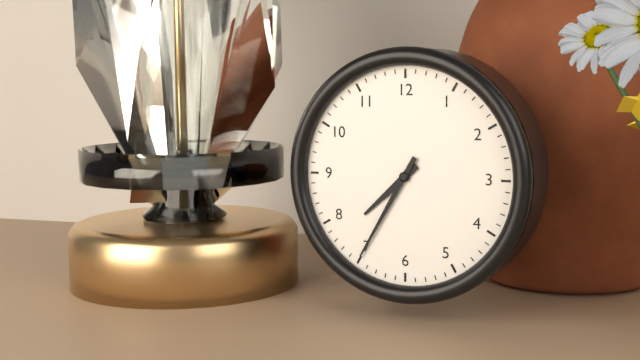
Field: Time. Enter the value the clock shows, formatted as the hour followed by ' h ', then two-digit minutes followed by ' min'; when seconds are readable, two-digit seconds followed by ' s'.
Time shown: 7 h 35 min
